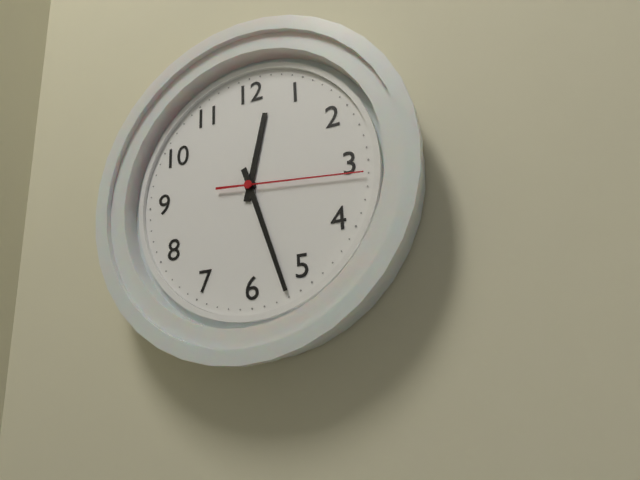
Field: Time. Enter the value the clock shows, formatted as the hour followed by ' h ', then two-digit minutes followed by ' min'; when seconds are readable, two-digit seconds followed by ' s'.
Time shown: 12 h 27 min 16 s
